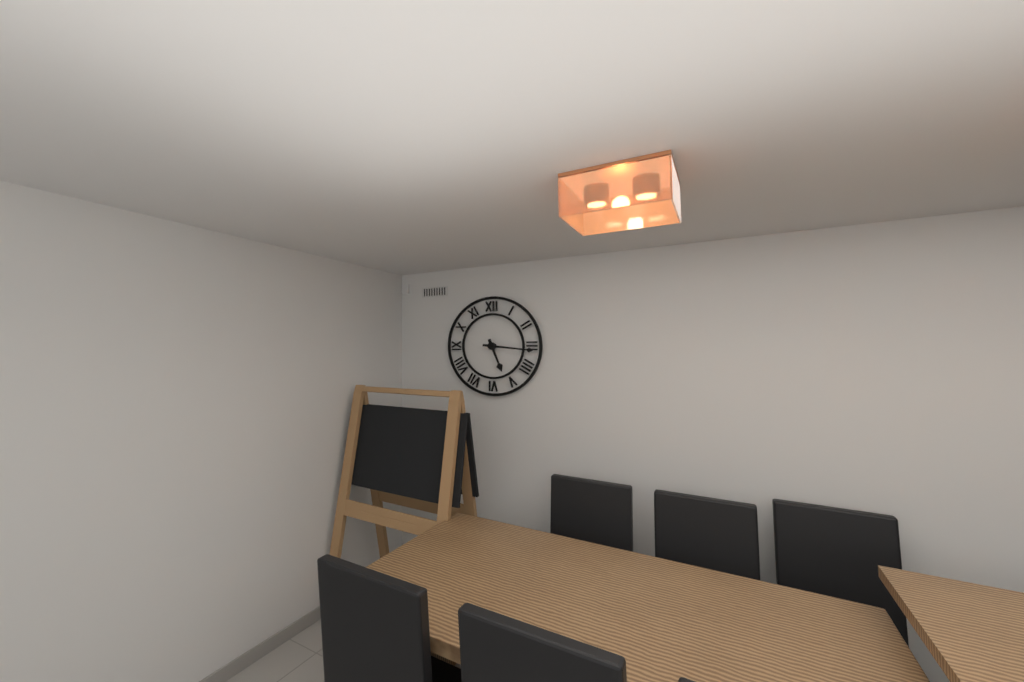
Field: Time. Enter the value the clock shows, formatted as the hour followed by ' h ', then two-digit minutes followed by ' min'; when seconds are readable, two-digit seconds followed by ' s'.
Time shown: 5 h 16 min
